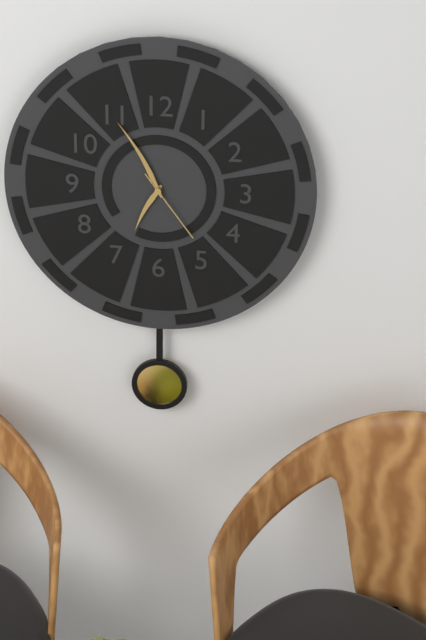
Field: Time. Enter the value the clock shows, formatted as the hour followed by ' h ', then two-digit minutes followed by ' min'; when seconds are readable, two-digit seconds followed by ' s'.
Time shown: 6 h 55 min 24 s
